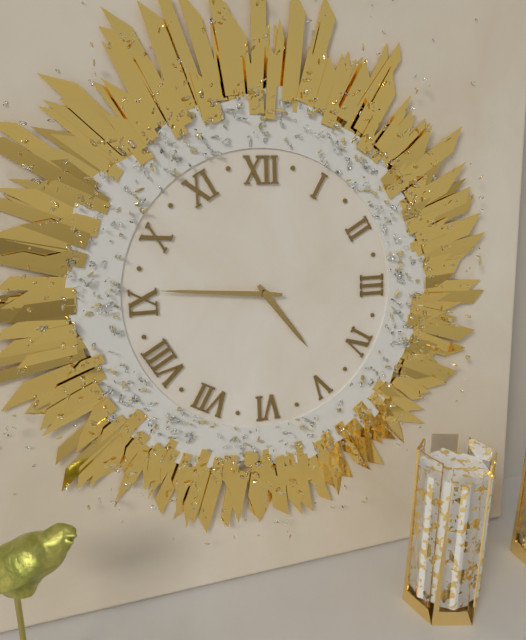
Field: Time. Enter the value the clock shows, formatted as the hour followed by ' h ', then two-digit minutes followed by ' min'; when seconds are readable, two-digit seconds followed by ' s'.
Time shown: 4 h 46 min
